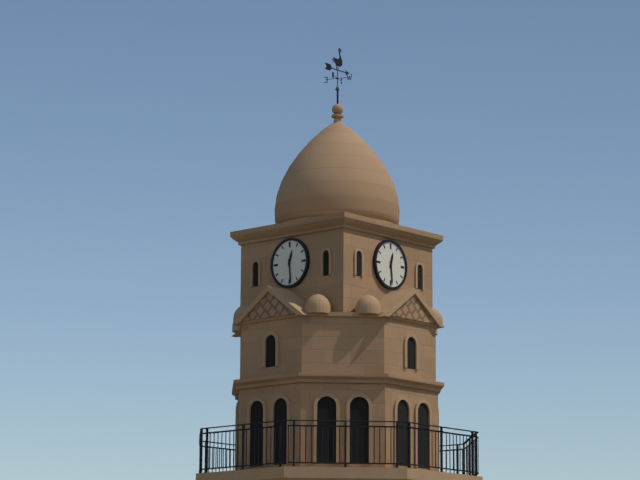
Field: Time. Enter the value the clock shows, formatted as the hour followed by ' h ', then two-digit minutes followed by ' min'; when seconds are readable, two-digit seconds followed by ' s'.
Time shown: 12 h 29 min
